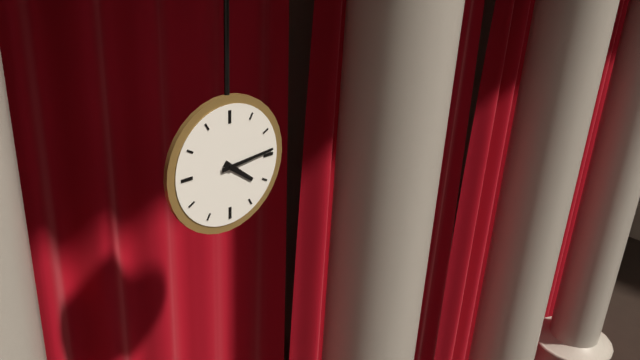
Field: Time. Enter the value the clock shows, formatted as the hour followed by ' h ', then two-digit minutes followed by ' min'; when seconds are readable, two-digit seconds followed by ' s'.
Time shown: 4 h 14 min
